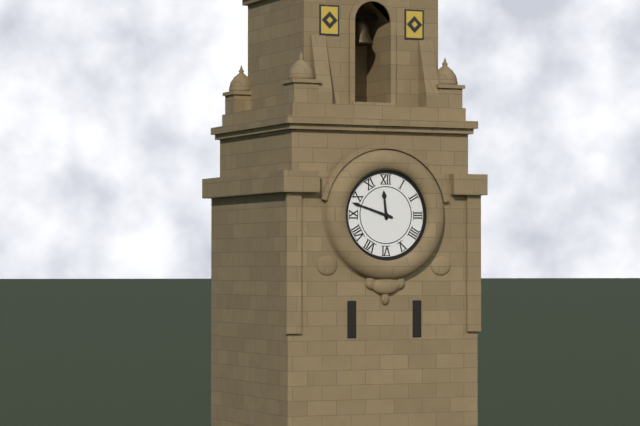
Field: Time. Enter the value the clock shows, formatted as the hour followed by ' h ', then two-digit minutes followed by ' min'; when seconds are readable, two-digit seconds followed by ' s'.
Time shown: 11 h 48 min
